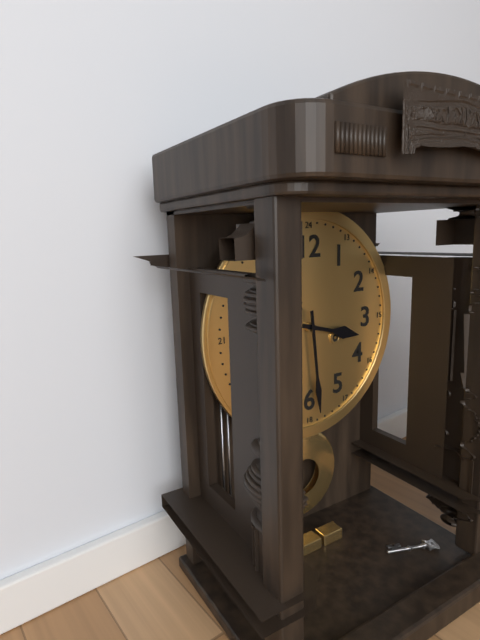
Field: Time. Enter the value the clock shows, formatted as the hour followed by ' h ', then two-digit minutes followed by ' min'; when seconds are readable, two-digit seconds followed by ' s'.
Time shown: 3 h 29 min
